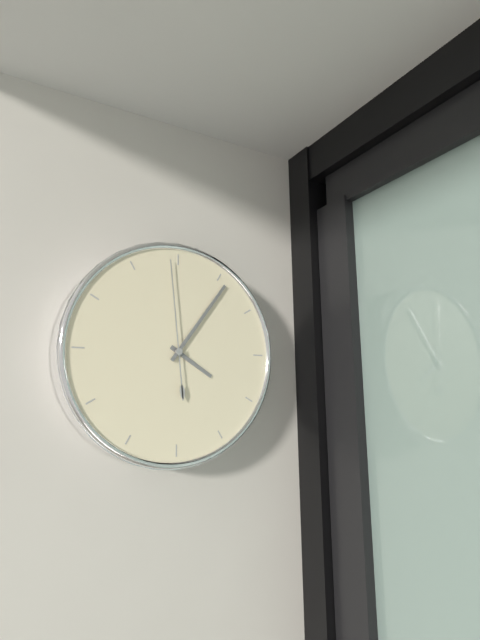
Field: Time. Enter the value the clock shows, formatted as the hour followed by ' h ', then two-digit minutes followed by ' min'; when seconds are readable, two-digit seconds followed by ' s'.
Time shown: 4 h 06 min 59 s
